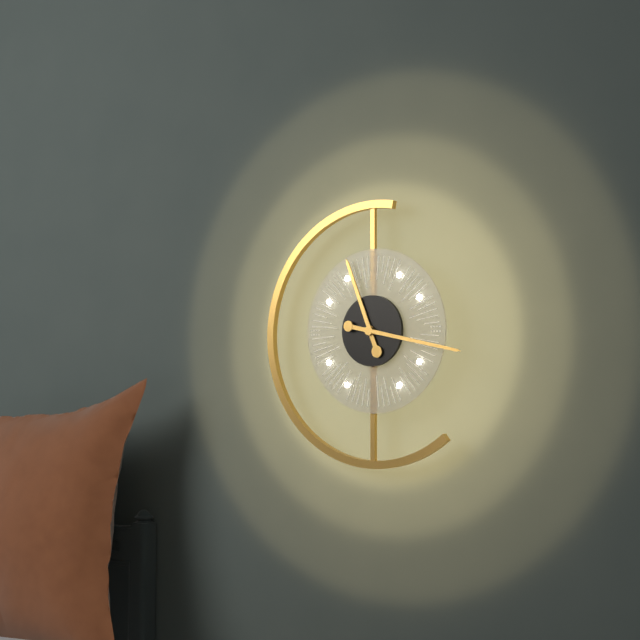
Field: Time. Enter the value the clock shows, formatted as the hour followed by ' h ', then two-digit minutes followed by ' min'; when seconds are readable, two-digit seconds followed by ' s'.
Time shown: 11 h 17 min
